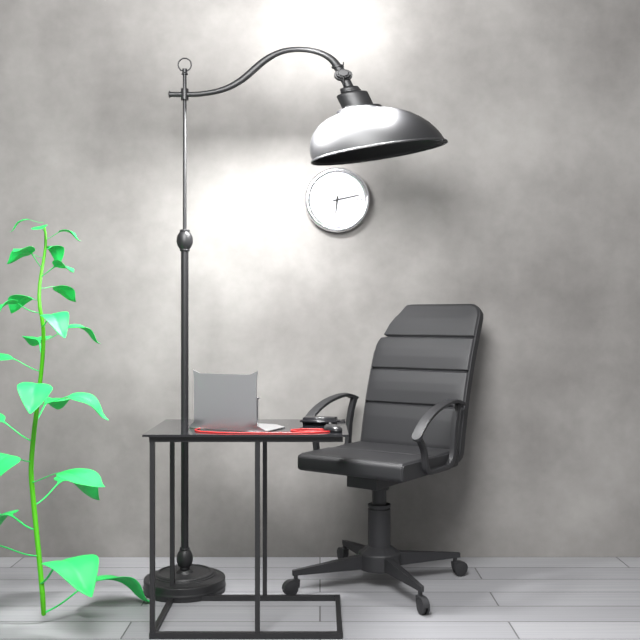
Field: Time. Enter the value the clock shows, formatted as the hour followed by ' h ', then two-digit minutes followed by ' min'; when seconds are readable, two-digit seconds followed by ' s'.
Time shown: 6 h 13 min
